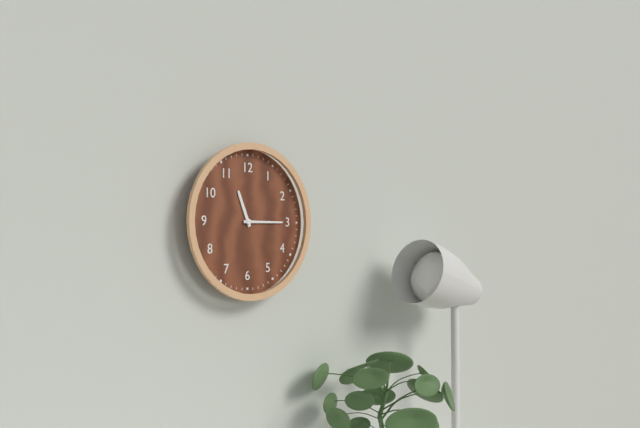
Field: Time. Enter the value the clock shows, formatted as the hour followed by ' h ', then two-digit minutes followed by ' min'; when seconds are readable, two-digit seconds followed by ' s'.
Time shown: 11 h 15 min
